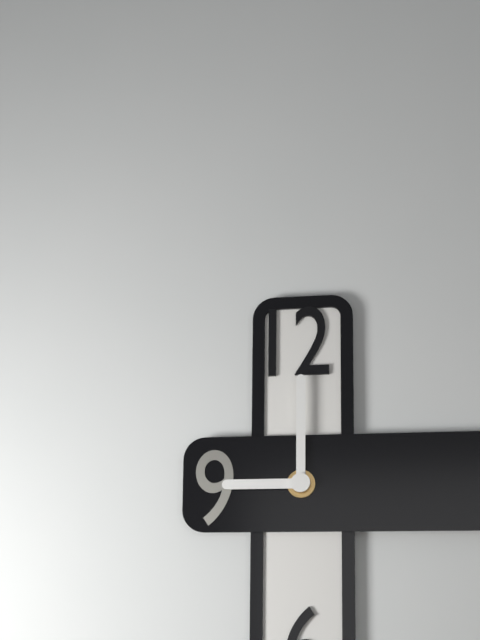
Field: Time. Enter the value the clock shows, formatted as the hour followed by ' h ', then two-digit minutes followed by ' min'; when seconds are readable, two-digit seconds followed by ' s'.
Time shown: 9 h 00 min
